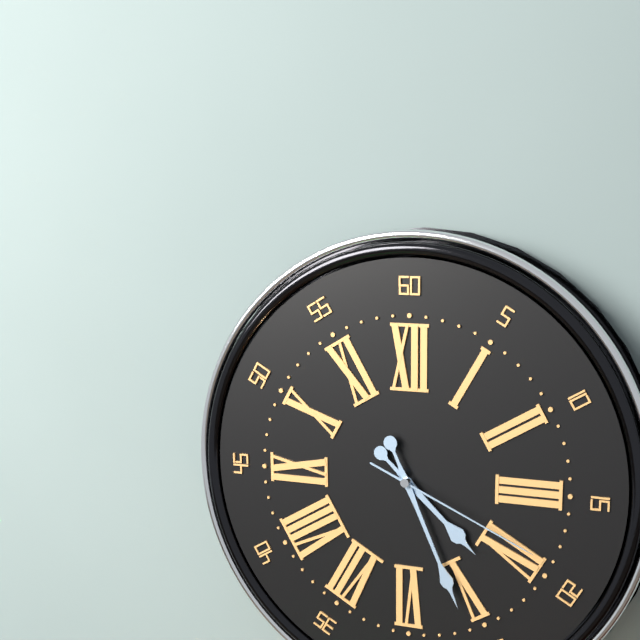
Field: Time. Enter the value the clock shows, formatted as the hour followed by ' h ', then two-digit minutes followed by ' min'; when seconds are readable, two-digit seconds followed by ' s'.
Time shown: 4 h 26 min 19 s
